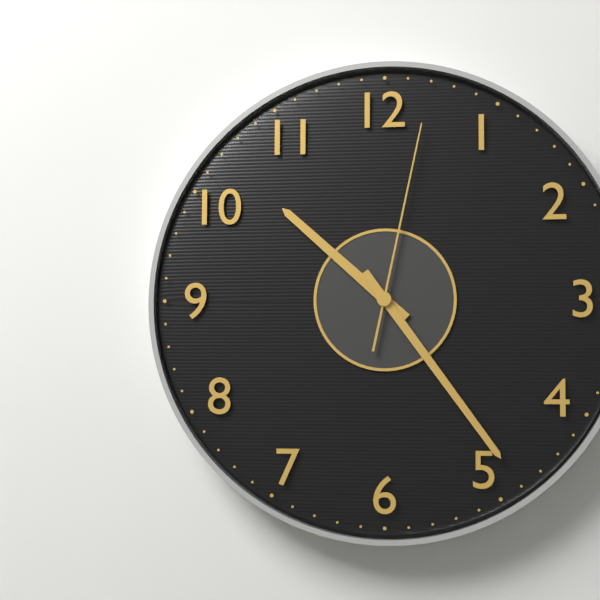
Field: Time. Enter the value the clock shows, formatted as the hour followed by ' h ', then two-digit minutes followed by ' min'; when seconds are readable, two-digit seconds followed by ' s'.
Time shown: 10 h 24 min 02 s
